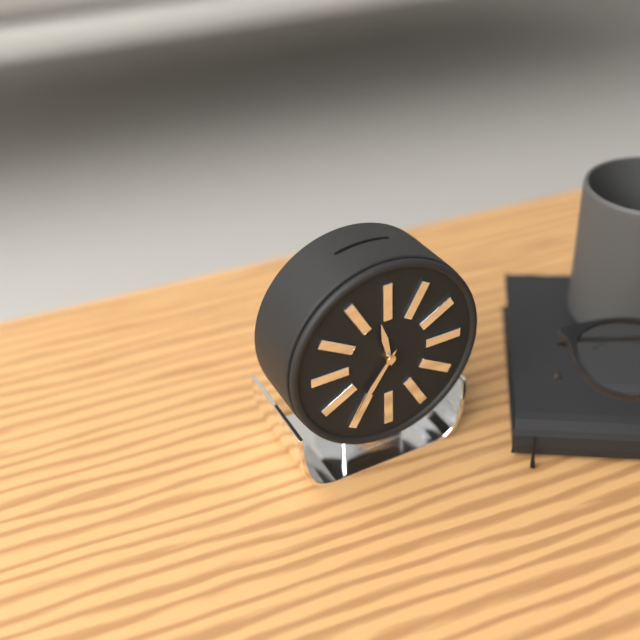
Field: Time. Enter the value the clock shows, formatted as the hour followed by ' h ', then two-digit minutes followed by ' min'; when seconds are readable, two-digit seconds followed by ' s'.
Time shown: 11 h 36 min
